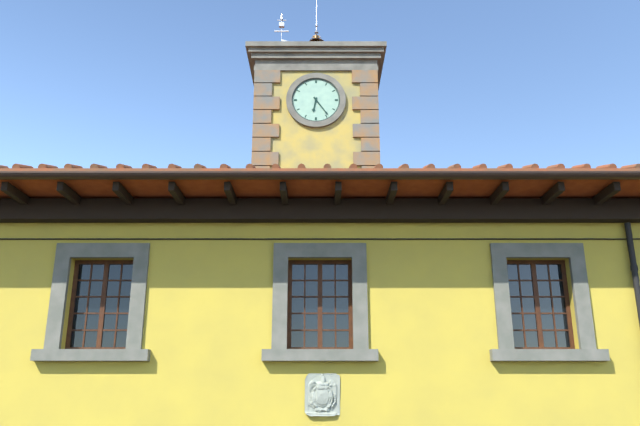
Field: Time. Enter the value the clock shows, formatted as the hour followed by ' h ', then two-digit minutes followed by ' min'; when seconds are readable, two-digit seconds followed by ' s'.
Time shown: 6 h 24 min
